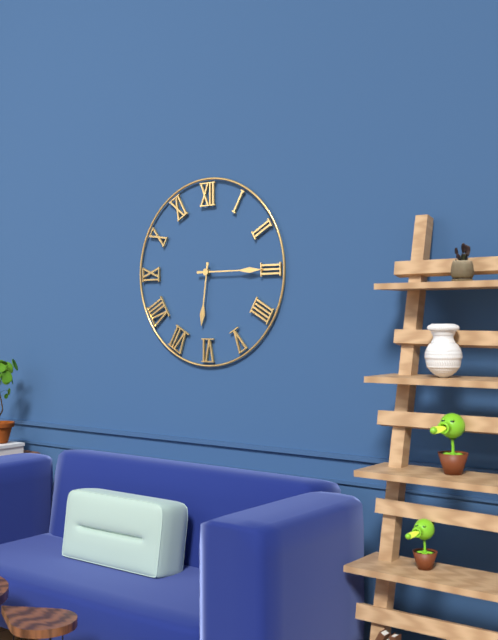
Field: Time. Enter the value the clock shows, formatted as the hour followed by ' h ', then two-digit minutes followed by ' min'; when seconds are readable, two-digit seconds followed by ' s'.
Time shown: 6 h 15 min
